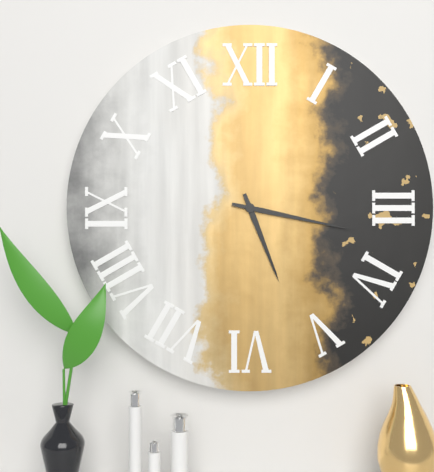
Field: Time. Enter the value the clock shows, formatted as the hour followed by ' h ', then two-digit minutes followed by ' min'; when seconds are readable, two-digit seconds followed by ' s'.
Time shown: 5 h 17 min
